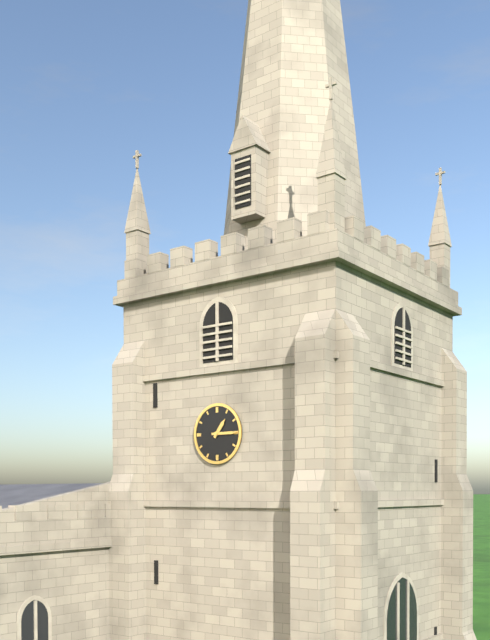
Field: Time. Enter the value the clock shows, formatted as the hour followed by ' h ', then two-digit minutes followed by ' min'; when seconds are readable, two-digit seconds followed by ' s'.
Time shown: 1 h 15 min
